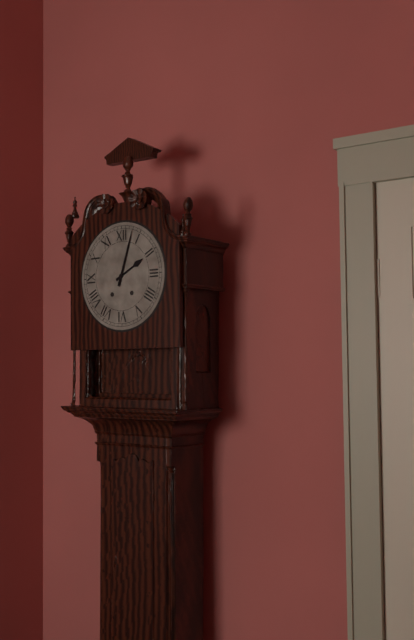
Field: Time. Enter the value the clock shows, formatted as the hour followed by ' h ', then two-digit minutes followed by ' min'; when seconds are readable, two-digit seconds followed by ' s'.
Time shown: 2 h 03 min
